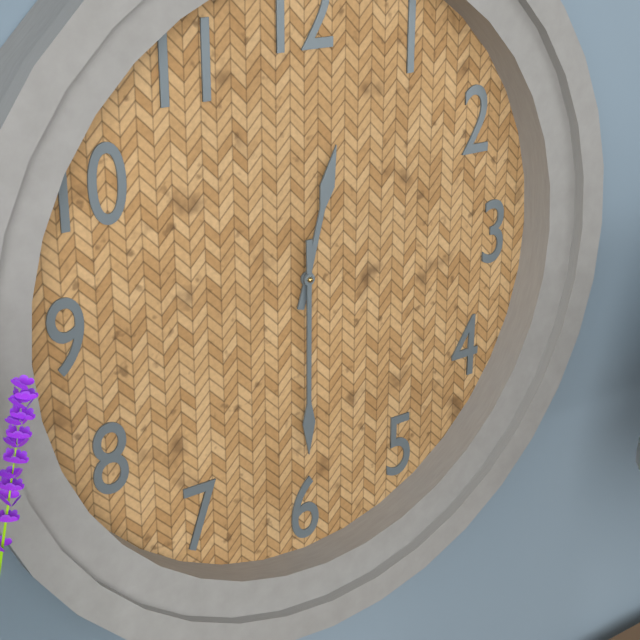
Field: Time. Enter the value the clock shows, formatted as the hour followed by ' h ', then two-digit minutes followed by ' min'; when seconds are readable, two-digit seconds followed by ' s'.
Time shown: 12 h 30 min
